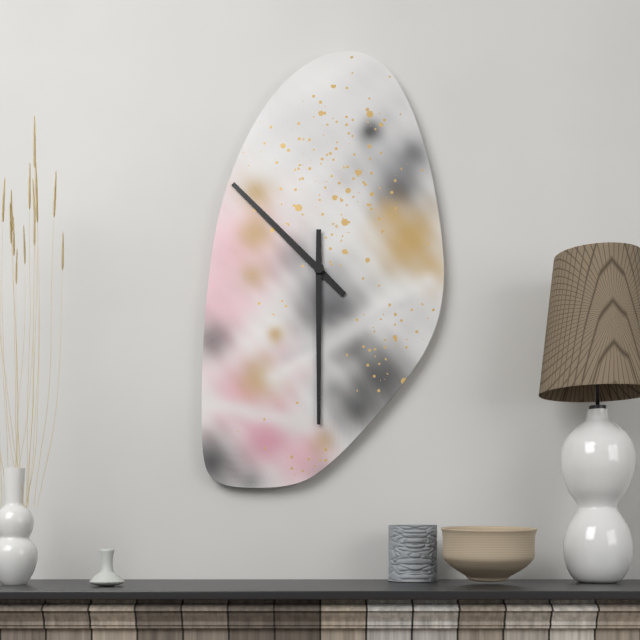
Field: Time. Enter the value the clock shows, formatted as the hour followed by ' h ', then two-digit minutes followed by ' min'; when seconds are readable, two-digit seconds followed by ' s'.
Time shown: 10 h 30 min
